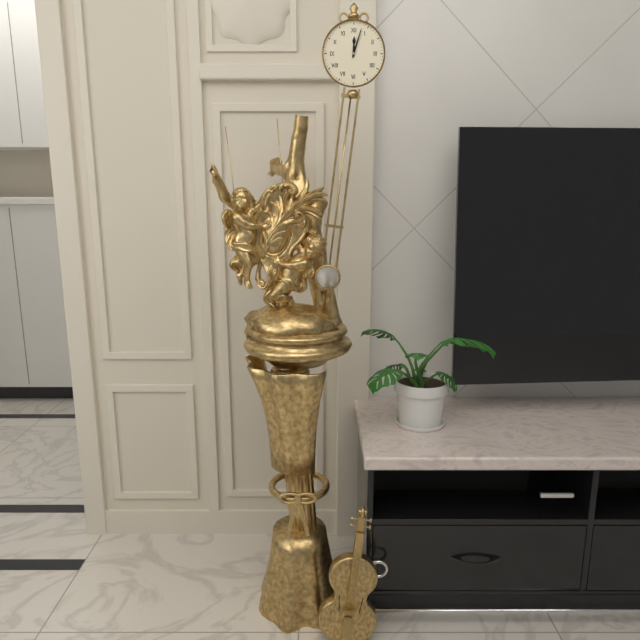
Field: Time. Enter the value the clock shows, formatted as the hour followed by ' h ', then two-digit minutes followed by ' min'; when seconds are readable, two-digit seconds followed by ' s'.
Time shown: 12 h 03 min
